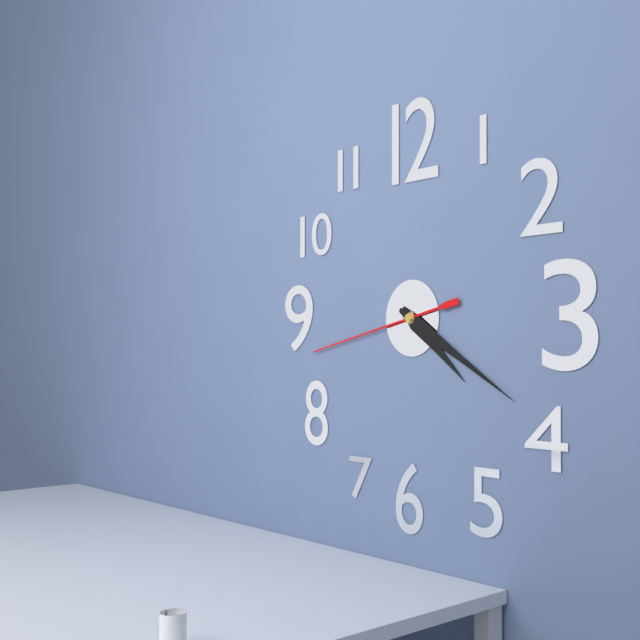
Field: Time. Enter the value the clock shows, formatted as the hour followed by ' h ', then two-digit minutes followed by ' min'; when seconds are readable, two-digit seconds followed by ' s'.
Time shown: 4 h 20 min 43 s
